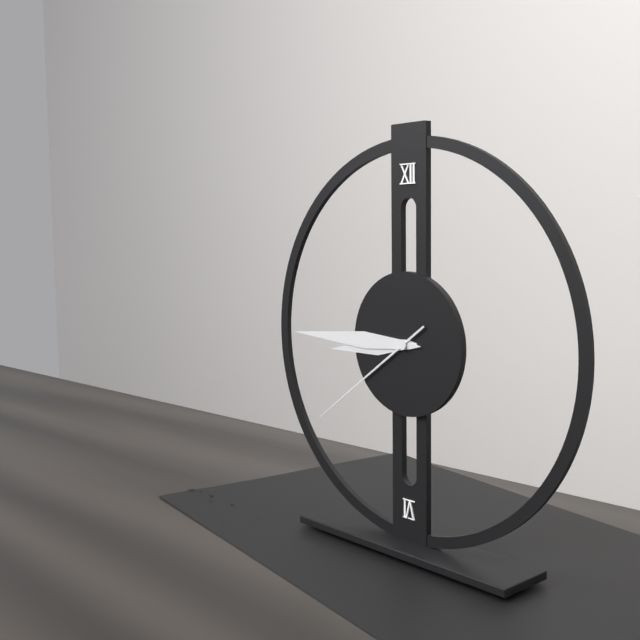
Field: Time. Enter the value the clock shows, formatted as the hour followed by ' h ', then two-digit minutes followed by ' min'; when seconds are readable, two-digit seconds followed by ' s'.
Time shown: 8 h 45 min 39 s
